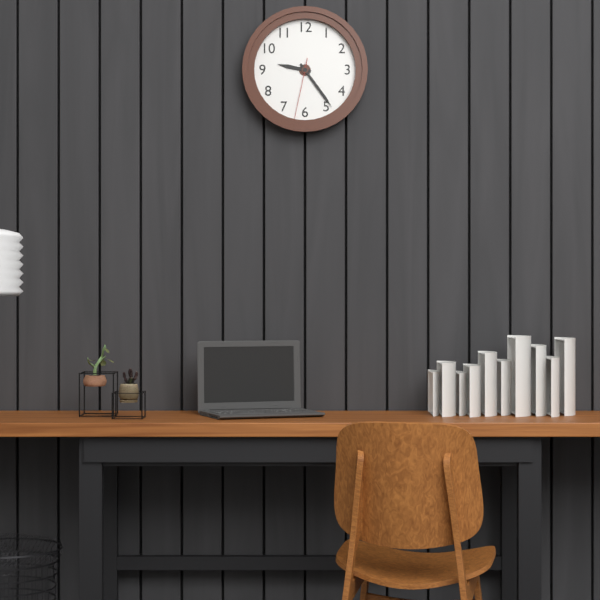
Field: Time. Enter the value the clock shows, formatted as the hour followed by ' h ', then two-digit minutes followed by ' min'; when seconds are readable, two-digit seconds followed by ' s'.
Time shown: 9 h 24 min 32 s
